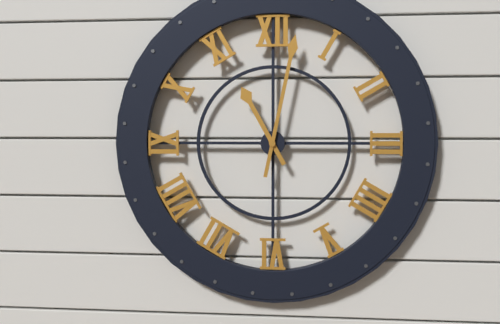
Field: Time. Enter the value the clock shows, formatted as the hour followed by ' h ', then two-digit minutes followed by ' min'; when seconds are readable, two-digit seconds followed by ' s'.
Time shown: 11 h 02 min
